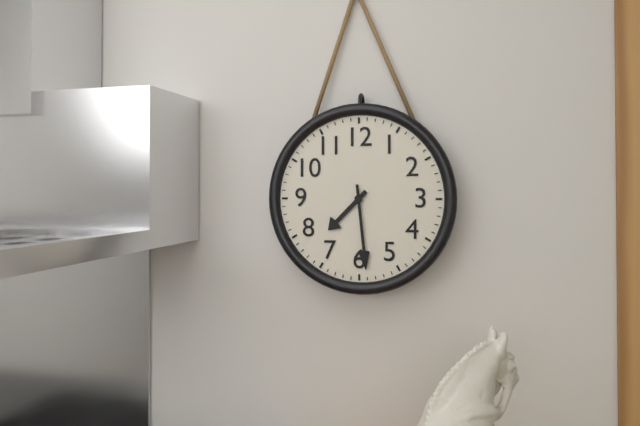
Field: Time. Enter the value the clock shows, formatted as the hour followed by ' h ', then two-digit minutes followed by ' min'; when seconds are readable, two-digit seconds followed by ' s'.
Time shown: 7 h 29 min
